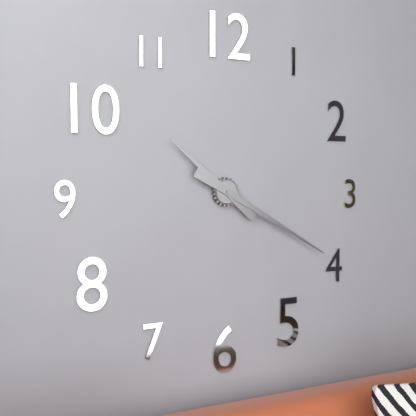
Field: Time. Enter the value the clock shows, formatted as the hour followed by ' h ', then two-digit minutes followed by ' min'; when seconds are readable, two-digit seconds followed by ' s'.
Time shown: 10 h 20 min
